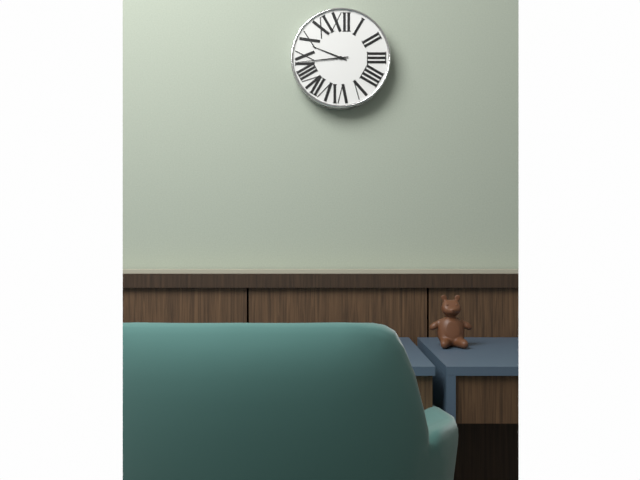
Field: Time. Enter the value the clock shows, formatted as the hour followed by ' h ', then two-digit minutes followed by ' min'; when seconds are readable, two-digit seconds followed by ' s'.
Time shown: 9 h 44 min
